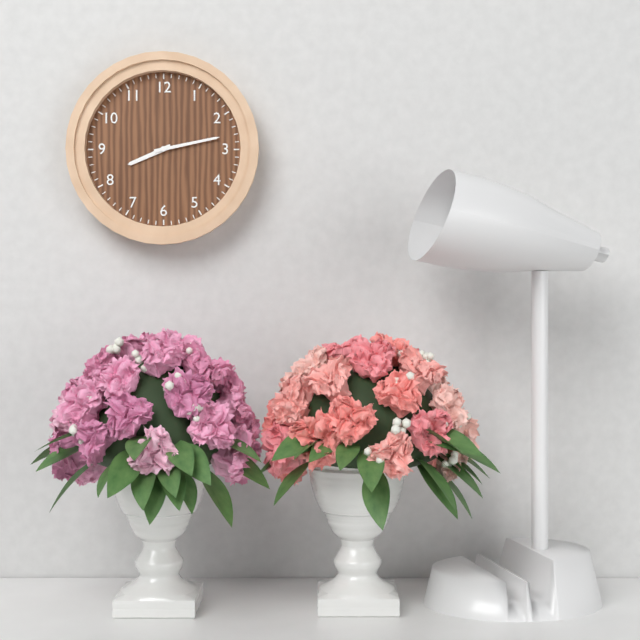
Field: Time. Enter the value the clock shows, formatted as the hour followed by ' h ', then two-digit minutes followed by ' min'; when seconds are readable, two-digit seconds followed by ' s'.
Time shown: 8 h 13 min
